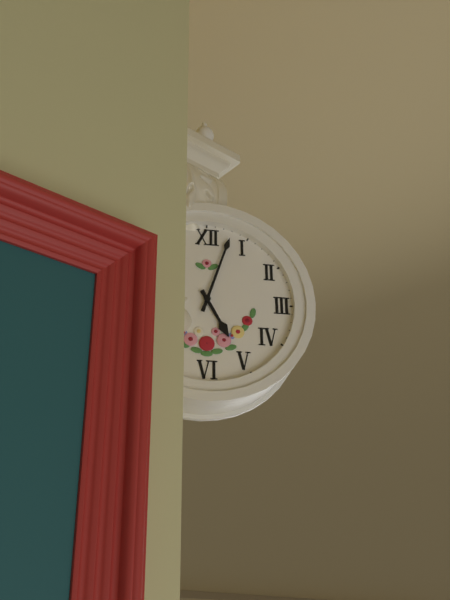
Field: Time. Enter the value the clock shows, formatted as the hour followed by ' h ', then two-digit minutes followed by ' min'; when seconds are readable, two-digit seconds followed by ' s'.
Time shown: 5 h 03 min
